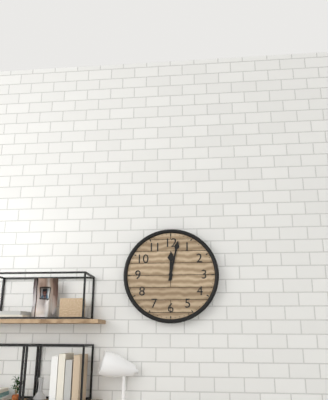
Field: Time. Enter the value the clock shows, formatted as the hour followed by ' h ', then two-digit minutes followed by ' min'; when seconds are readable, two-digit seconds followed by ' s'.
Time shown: 12 h 02 min
